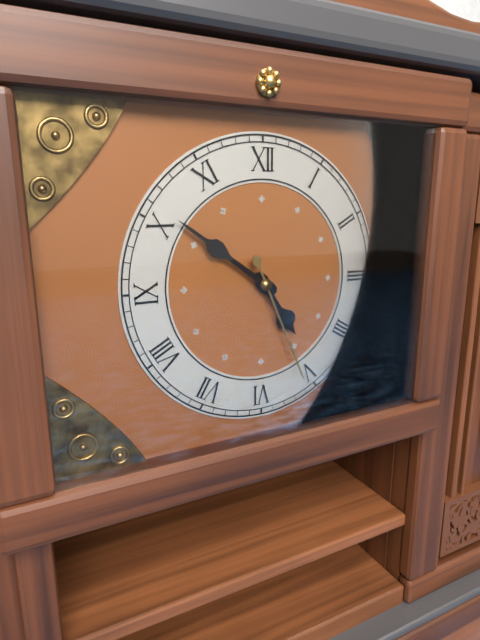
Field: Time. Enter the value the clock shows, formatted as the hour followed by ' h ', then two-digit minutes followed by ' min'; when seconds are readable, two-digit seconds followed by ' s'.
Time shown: 4 h 51 min 26 s
